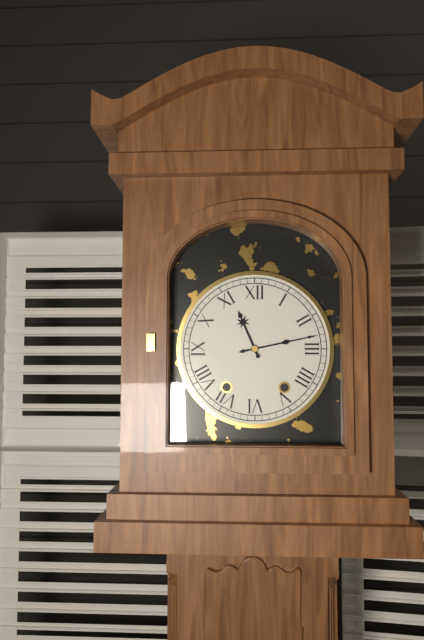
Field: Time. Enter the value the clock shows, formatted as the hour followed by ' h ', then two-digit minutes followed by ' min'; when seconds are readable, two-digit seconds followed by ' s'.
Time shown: 11 h 13 min
